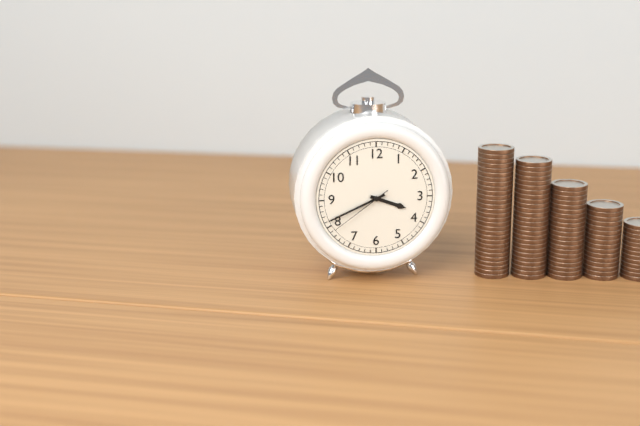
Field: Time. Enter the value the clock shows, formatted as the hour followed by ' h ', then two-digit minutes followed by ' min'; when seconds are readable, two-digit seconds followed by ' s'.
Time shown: 3 h 41 min 39 s
